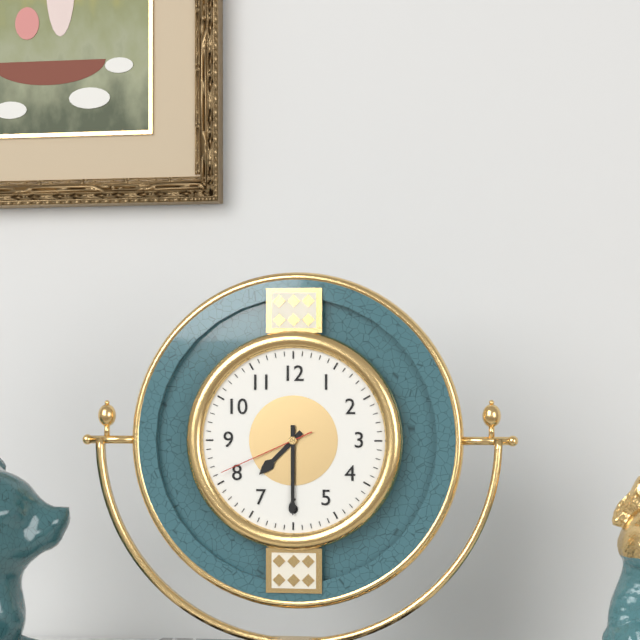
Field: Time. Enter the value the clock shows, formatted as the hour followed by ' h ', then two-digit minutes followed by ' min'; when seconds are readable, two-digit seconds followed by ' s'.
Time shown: 7 h 30 min 41 s
